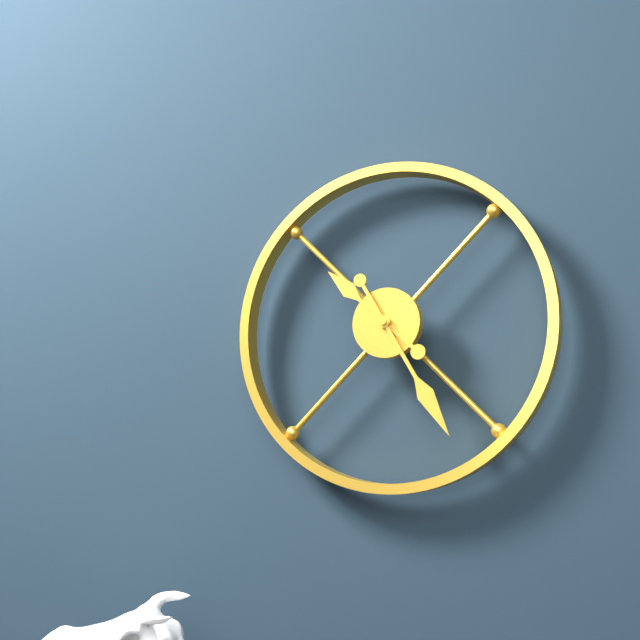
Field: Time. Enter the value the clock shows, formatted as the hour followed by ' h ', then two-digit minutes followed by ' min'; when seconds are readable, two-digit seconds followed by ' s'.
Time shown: 10 h 25 min
